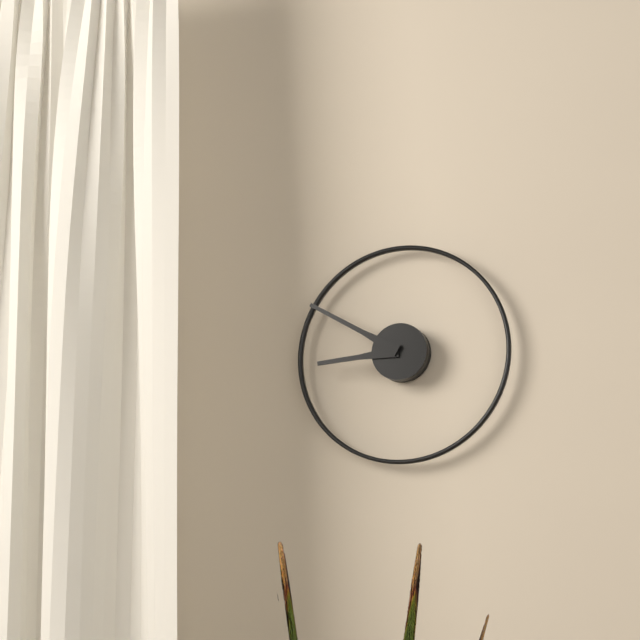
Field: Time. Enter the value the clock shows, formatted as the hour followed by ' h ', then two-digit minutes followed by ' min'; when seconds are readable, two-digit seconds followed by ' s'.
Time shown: 8 h 50 min
